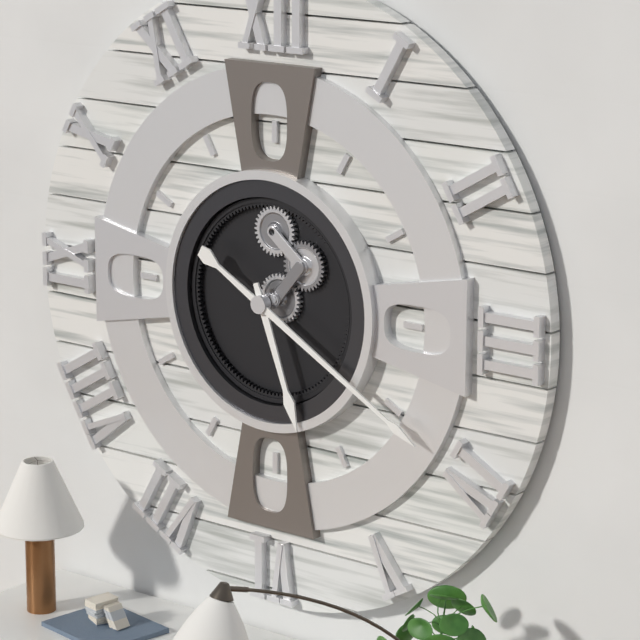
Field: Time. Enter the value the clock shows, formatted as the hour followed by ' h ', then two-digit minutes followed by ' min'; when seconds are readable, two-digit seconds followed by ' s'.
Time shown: 5 h 20 min
